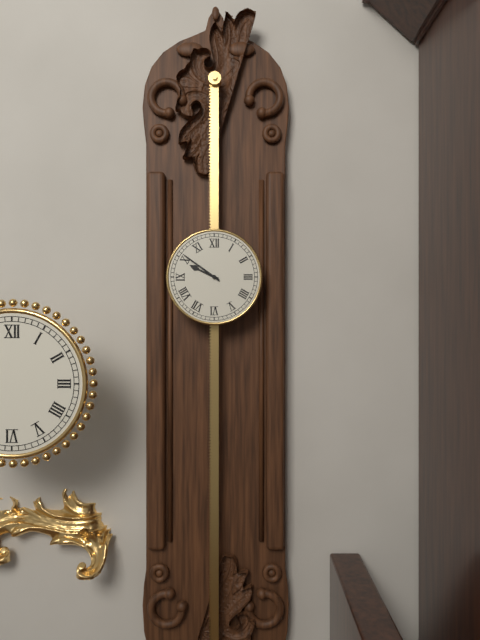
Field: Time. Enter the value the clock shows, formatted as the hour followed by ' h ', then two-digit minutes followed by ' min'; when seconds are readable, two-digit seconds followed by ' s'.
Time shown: 9 h 51 min
